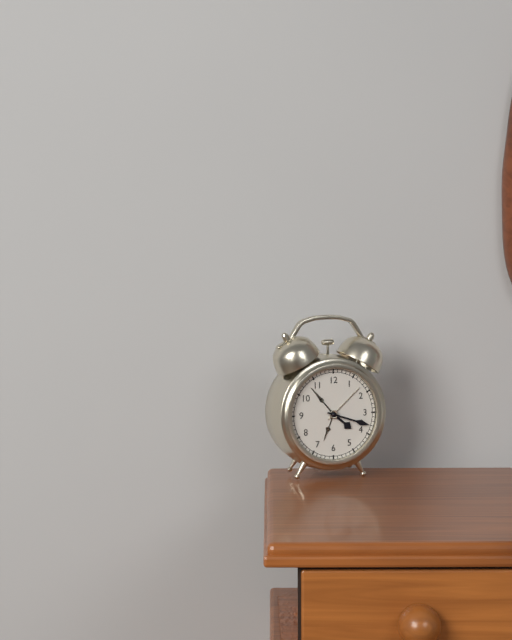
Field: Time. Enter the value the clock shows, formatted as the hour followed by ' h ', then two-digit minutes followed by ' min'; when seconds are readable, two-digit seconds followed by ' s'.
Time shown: 4 h 18 min
